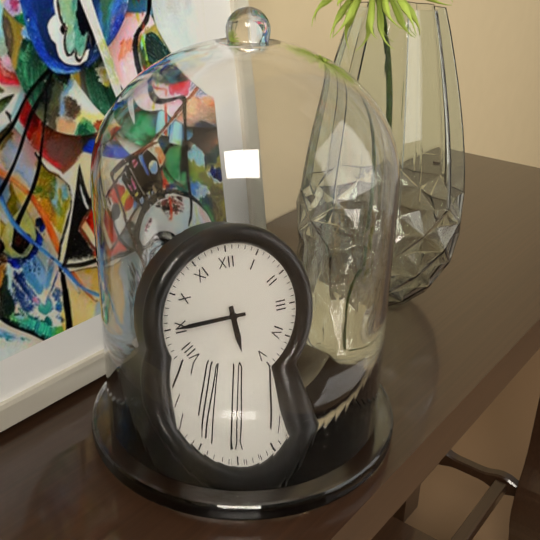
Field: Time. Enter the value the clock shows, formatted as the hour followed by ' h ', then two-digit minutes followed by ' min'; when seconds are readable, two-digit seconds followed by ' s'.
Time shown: 5 h 45 min
